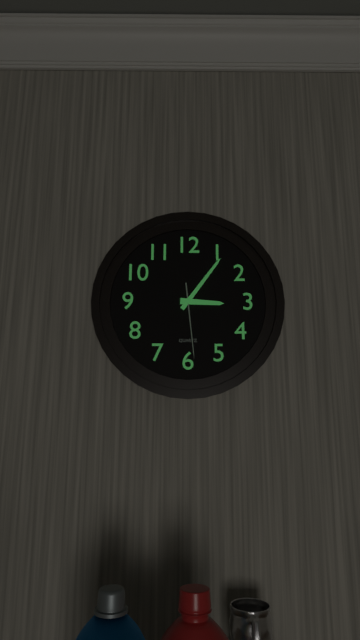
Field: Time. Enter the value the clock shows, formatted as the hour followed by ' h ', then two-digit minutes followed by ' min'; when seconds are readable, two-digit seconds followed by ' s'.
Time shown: 3 h 06 min 29 s
